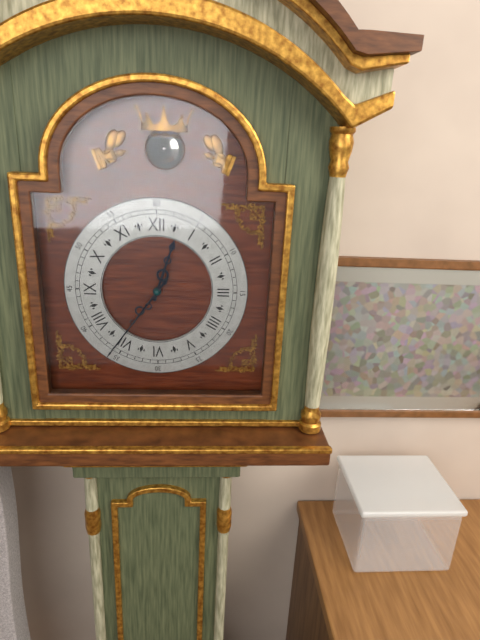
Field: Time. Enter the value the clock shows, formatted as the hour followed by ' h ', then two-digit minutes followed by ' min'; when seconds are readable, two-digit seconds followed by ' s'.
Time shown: 12 h 36 min
